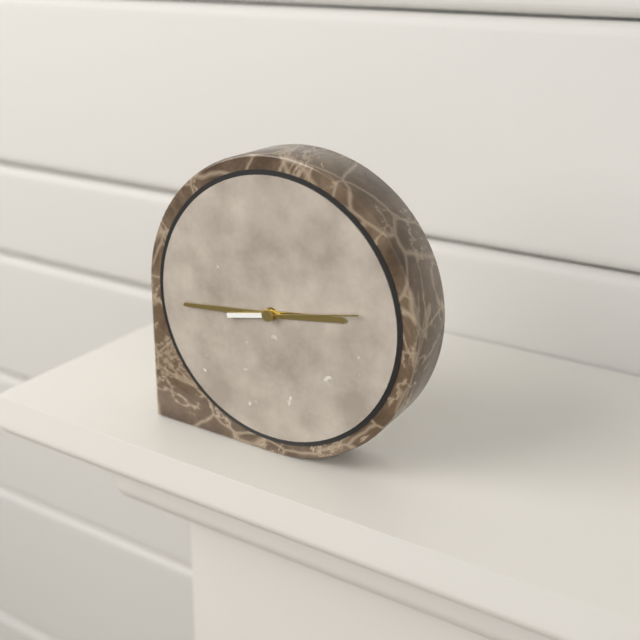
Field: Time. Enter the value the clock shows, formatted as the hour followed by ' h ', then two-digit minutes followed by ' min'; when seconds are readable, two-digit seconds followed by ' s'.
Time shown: 2 h 44 min 13 s
